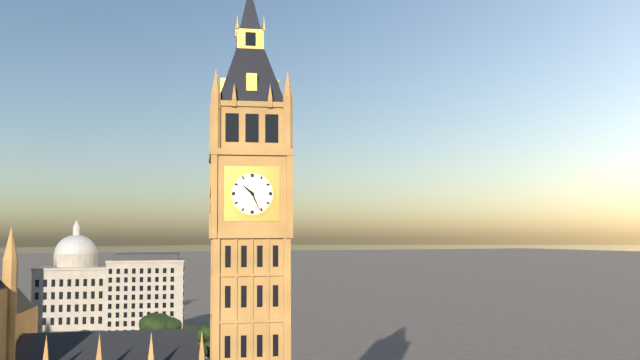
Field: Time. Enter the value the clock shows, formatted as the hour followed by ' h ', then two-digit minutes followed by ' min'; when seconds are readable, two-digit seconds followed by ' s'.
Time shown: 10 h 26 min
